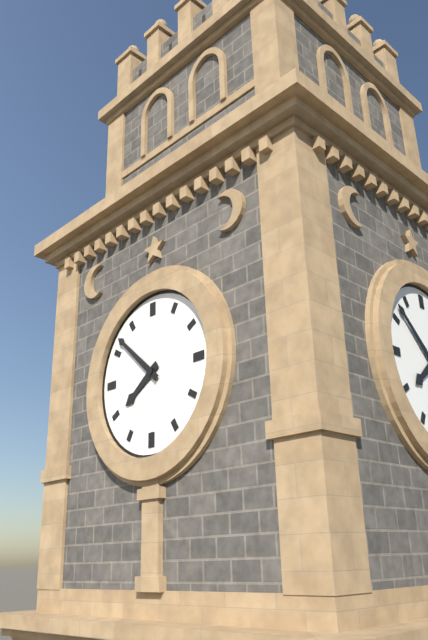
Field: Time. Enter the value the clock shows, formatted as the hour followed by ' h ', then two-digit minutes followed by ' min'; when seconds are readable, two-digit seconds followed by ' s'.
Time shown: 7 h 52 min
